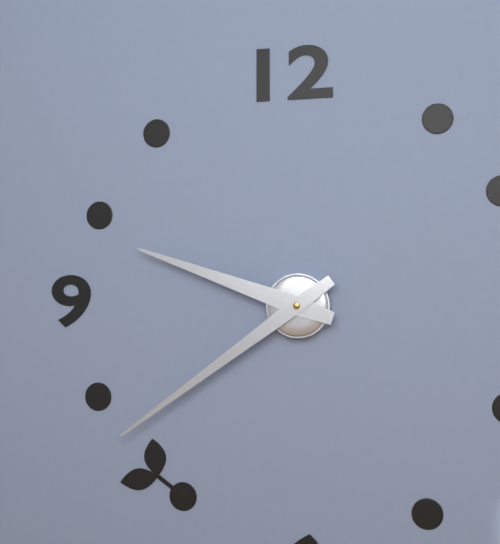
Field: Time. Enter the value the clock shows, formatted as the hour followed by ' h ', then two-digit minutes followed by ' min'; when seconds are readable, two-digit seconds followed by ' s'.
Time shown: 9 h 39 min
